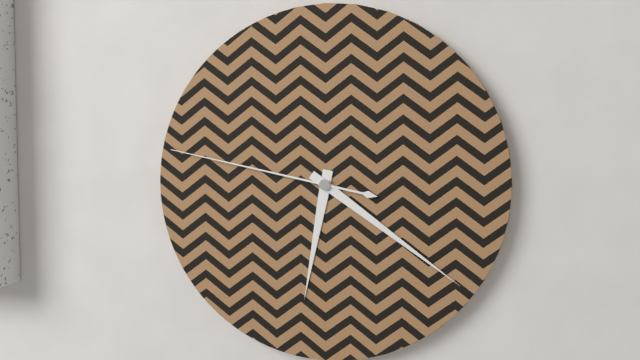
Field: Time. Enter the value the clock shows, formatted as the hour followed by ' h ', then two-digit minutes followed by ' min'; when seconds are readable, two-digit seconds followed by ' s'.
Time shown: 6 h 21 min 47 s
